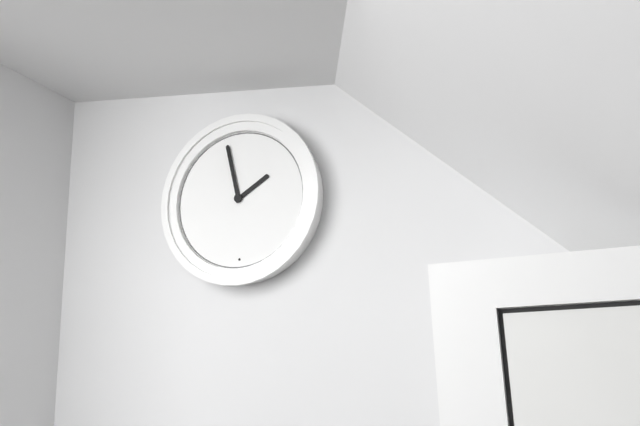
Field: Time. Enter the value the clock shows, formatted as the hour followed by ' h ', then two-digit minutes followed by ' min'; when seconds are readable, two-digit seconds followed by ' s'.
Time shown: 1 h 58 min
